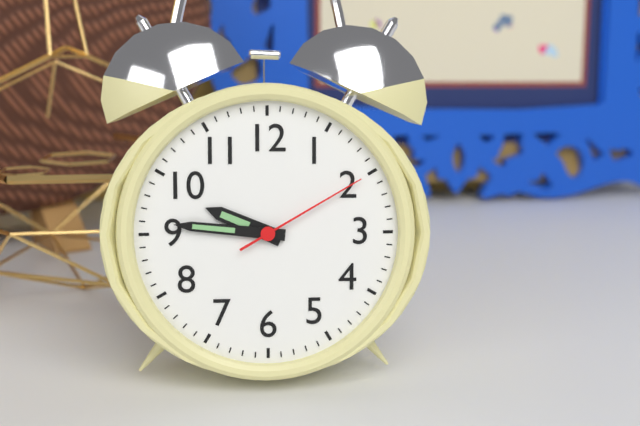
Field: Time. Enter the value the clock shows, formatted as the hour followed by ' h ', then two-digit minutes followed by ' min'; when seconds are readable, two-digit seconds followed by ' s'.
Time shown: 9 h 46 min 10 s
